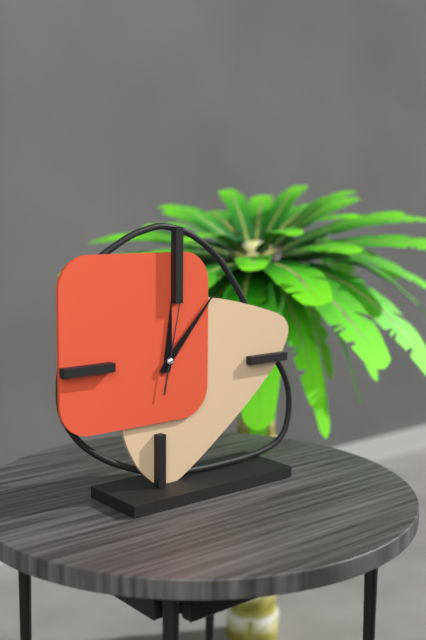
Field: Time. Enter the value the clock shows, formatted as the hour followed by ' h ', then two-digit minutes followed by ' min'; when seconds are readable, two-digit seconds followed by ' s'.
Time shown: 12 h 07 min 02 s
